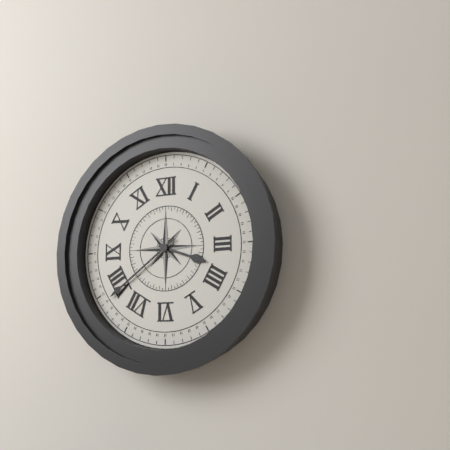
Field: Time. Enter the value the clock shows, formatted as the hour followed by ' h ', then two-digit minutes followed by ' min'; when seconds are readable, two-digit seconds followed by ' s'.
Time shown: 3 h 39 min
